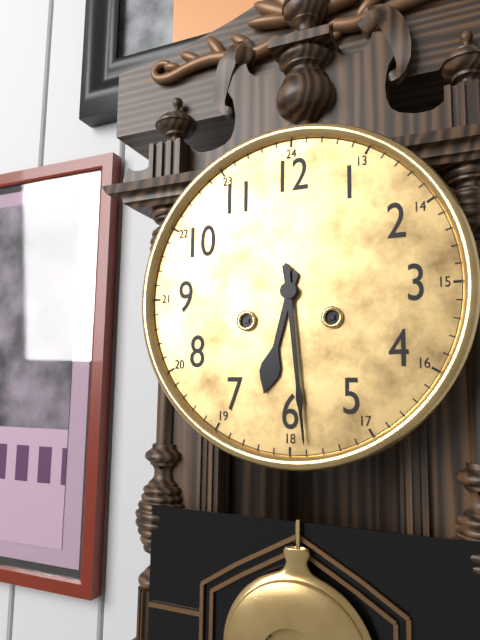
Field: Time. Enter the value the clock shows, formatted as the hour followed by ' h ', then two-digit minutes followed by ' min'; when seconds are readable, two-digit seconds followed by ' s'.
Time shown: 6 h 29 min
